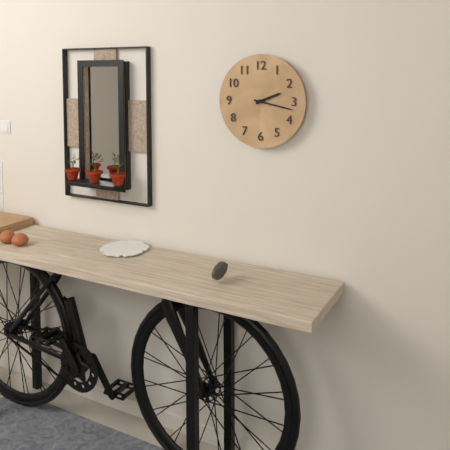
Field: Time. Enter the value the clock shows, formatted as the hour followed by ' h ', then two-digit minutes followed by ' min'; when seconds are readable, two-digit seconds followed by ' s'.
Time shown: 2 h 17 min
